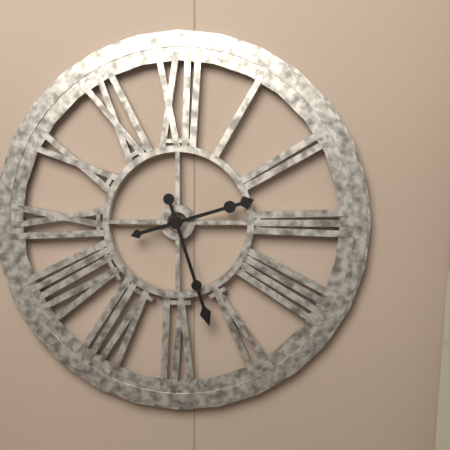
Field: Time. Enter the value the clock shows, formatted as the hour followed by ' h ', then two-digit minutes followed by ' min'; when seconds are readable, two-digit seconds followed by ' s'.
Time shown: 2 h 27 min
